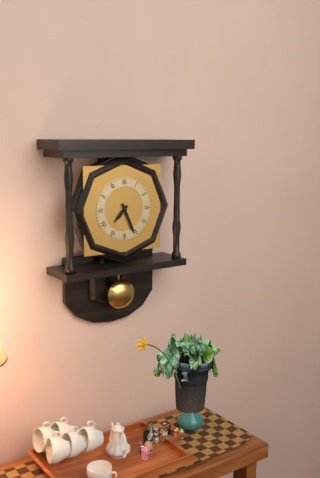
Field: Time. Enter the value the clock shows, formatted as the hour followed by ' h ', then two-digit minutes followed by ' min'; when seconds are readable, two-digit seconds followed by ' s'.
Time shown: 7 h 26 min
